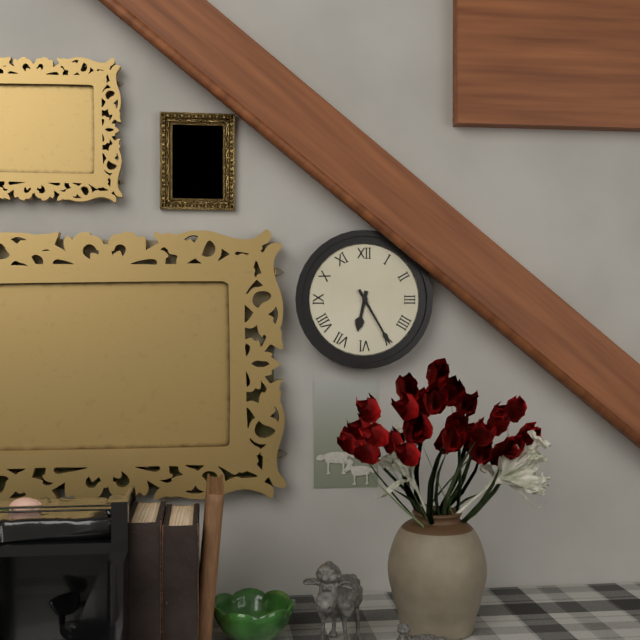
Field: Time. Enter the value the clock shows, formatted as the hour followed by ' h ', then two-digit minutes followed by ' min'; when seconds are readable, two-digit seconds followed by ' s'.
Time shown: 6 h 25 min
